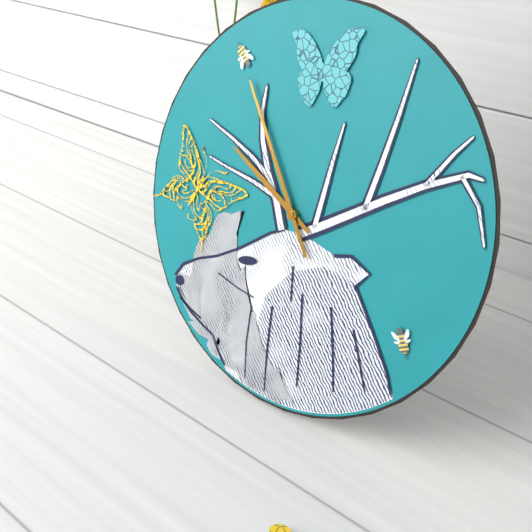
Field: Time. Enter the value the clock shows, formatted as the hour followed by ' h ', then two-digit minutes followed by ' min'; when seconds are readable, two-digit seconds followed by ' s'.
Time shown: 9 h 54 min
